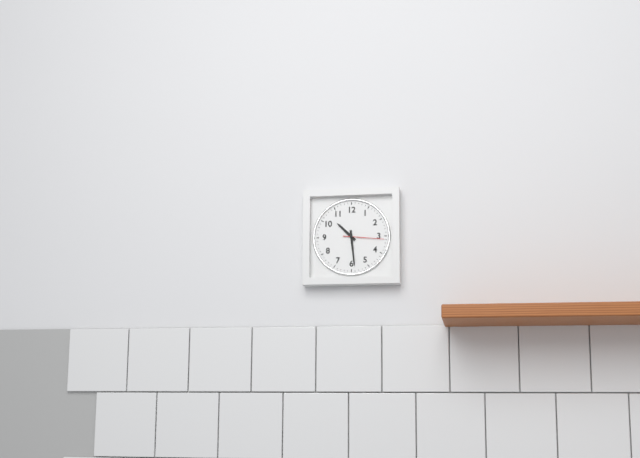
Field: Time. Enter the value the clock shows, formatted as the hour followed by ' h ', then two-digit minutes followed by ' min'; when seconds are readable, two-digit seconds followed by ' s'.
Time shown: 10 h 29 min
